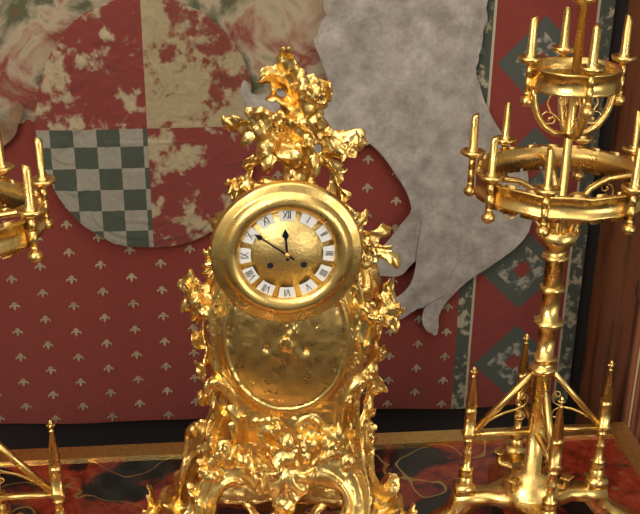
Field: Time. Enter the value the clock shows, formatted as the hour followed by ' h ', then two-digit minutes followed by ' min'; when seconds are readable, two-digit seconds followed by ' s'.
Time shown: 11 h 51 min
